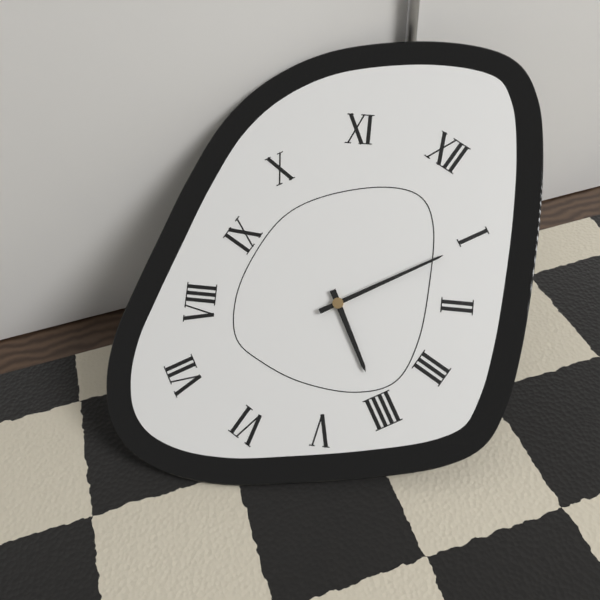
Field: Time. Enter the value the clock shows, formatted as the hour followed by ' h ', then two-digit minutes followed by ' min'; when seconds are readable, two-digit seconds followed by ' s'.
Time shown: 4 h 05 min
